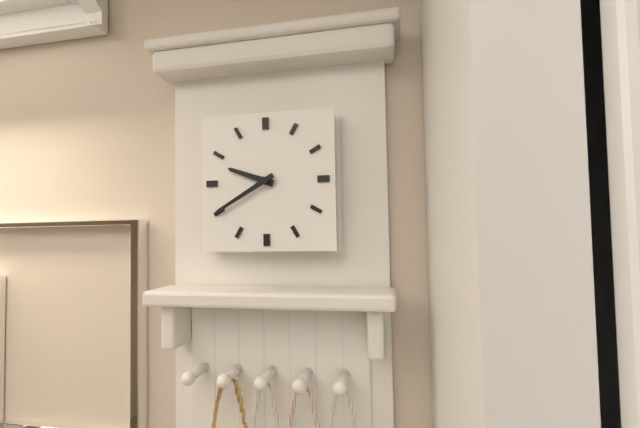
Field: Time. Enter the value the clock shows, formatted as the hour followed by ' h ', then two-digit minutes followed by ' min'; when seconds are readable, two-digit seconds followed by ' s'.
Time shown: 9 h 40 min
